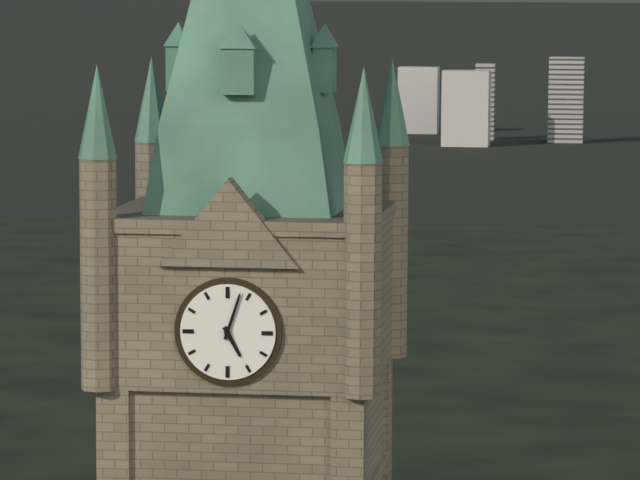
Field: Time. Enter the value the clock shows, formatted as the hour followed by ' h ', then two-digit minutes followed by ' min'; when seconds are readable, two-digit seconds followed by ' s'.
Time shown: 5 h 03 min
